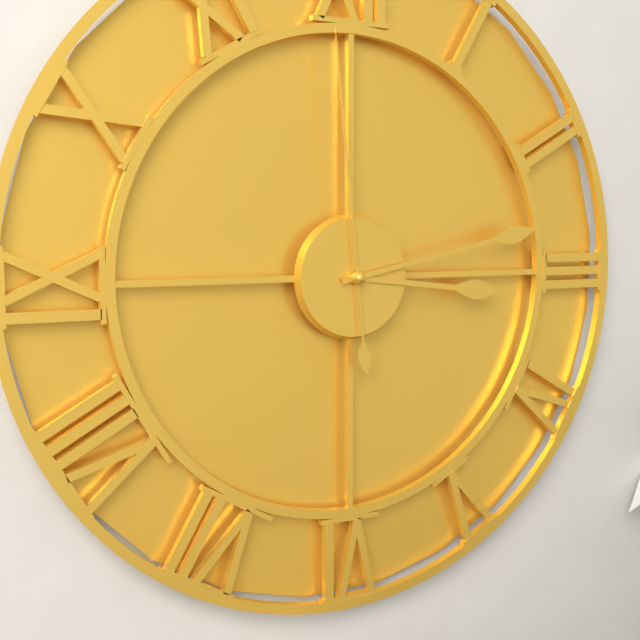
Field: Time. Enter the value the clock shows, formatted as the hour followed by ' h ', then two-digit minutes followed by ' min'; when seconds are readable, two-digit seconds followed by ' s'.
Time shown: 3 h 13 min 59 s
